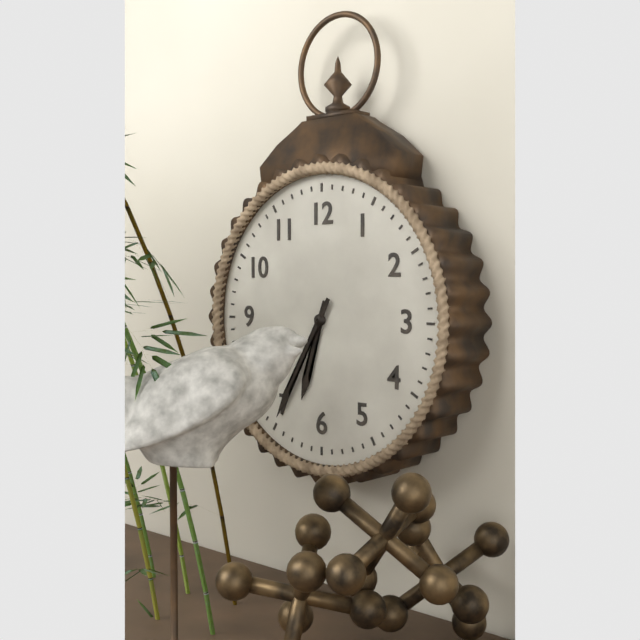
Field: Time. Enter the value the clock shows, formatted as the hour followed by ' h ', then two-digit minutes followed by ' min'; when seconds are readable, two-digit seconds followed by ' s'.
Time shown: 6 h 35 min
